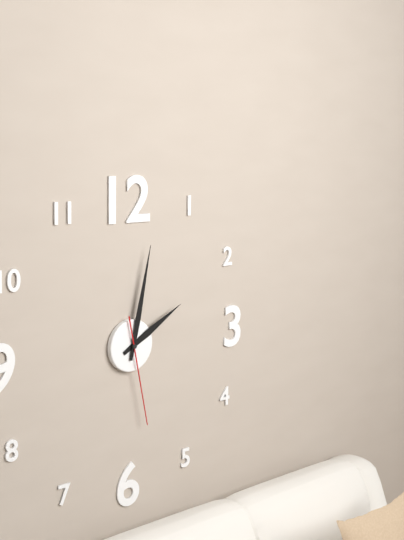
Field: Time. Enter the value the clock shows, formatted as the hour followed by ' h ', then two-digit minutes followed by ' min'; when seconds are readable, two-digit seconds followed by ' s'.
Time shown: 2 h 02 min 28 s
